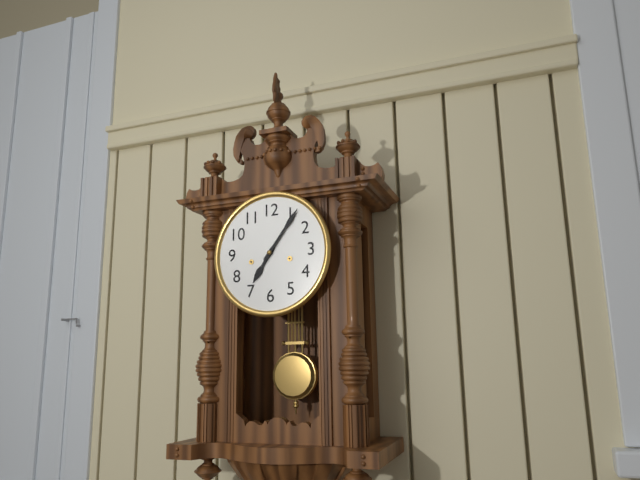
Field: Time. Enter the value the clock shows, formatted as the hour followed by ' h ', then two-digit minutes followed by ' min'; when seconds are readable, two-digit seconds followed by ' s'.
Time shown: 7 h 06 min
